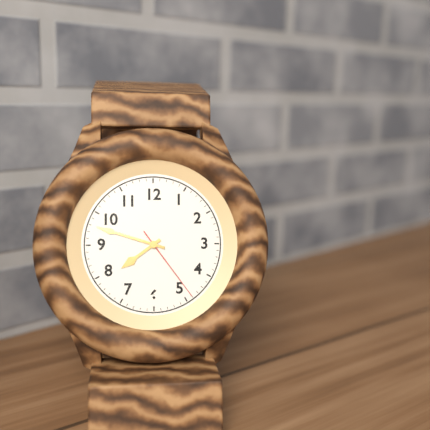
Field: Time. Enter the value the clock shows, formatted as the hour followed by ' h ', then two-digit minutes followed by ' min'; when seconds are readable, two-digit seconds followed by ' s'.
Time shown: 7 h 48 min 24 s
